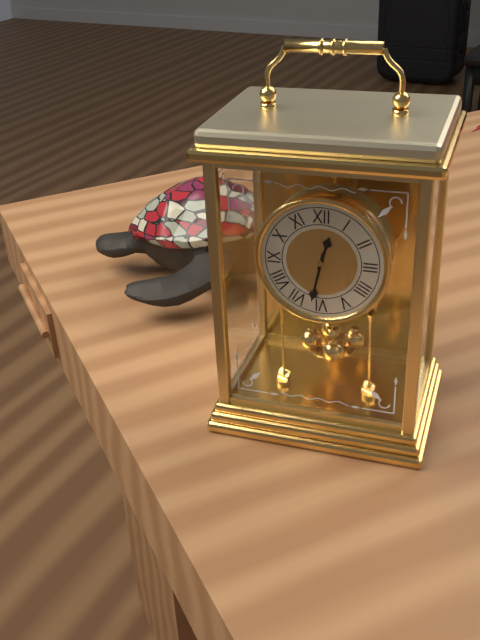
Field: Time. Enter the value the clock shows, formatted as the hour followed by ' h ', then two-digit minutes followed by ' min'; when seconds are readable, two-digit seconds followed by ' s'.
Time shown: 12 h 32 min
